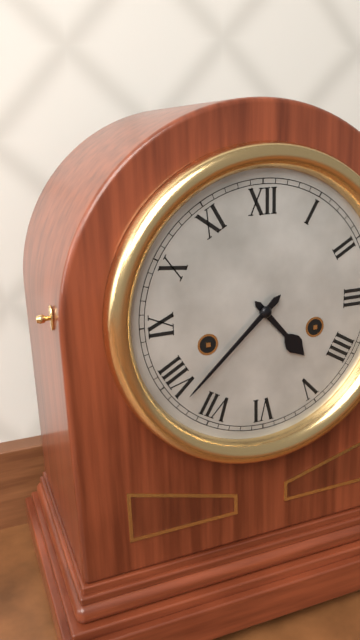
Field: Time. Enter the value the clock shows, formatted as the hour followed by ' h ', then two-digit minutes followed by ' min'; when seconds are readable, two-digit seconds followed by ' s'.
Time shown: 4 h 38 min
